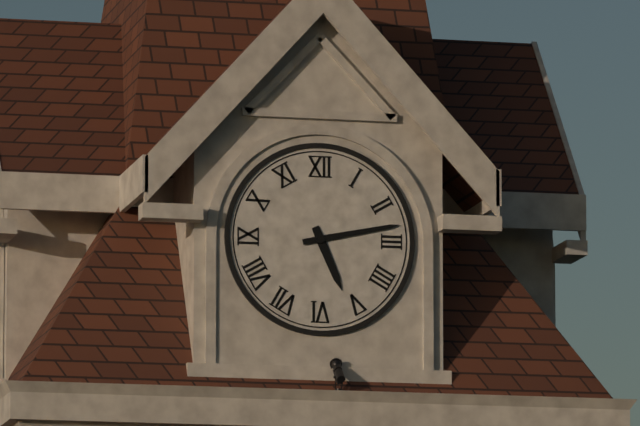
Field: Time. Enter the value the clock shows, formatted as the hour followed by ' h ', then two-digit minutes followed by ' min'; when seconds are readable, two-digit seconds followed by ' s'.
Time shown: 5 h 13 min
